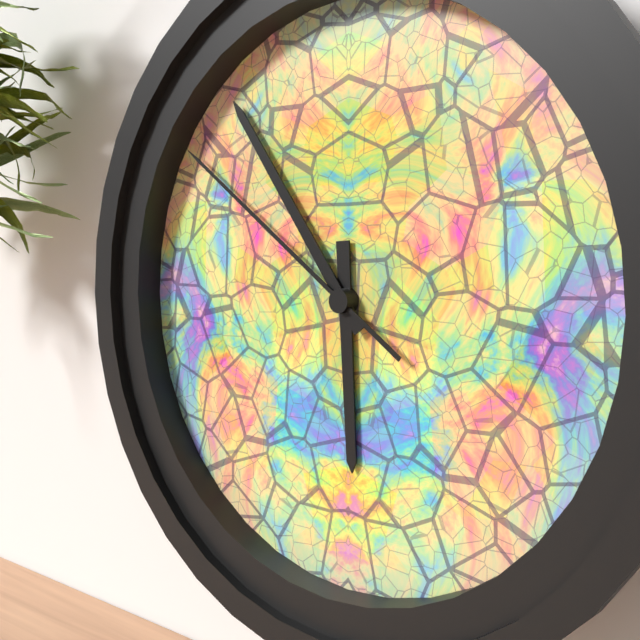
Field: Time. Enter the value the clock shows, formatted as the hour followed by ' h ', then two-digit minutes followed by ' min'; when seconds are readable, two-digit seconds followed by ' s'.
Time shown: 5 h 54 min 51 s
